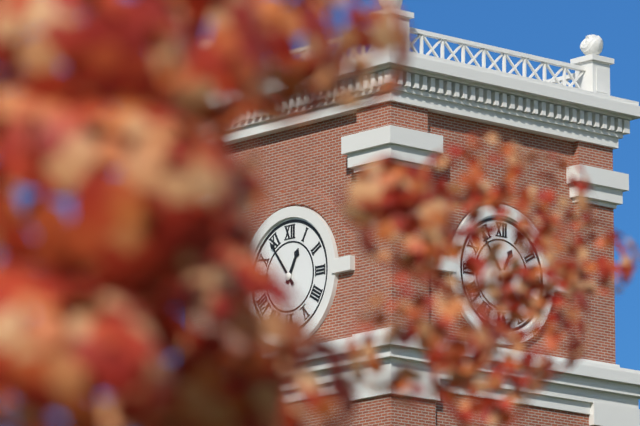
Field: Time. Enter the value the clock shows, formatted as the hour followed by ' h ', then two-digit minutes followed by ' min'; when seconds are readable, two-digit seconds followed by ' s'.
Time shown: 12 h 54 min
